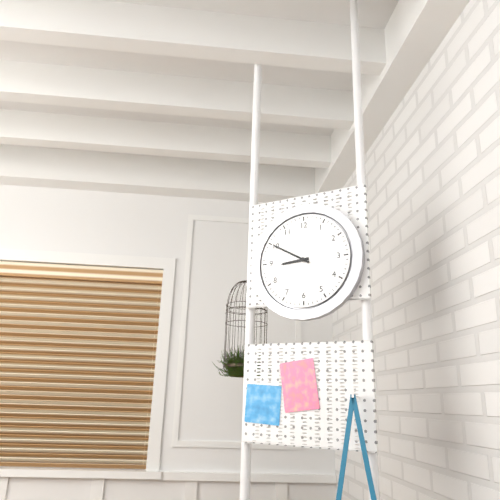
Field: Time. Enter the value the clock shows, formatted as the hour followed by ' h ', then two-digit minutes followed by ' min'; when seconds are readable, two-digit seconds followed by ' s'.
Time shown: 8 h 50 min
